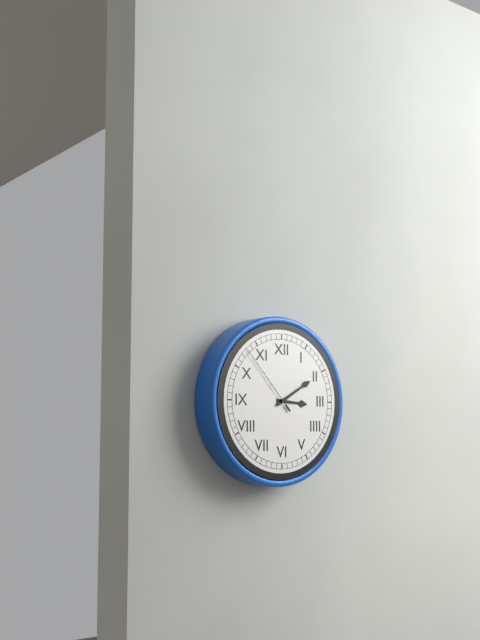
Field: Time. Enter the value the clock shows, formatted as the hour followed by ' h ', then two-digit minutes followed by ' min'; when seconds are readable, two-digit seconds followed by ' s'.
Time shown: 3 h 10 min 53 s
